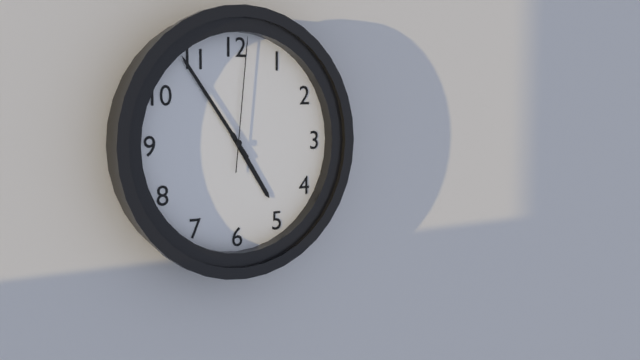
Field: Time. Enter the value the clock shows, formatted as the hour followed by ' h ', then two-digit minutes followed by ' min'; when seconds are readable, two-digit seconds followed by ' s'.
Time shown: 4 h 54 min 01 s
